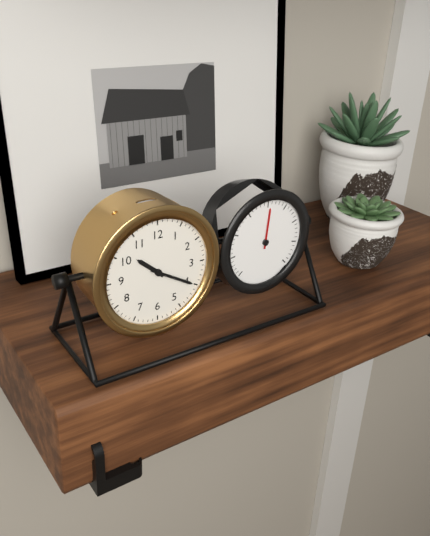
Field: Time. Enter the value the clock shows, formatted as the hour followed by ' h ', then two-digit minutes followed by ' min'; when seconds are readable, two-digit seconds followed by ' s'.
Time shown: 10 h 20 min
